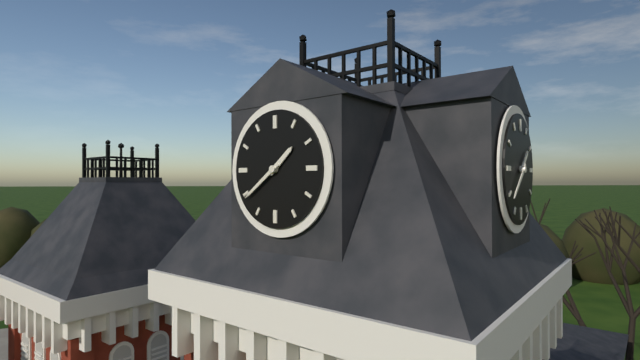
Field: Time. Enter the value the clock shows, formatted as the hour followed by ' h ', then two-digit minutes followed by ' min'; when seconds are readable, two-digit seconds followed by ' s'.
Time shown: 1 h 39 min
